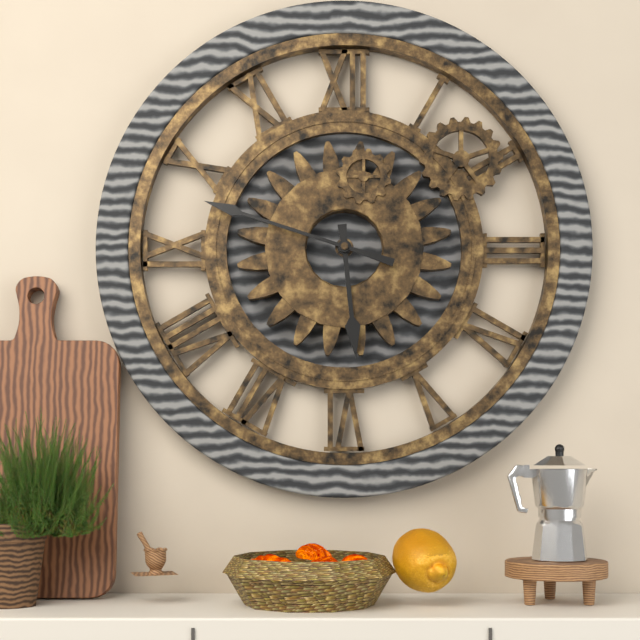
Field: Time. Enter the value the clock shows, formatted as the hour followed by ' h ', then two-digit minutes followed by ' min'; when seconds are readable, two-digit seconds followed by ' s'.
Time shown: 5 h 48 min
